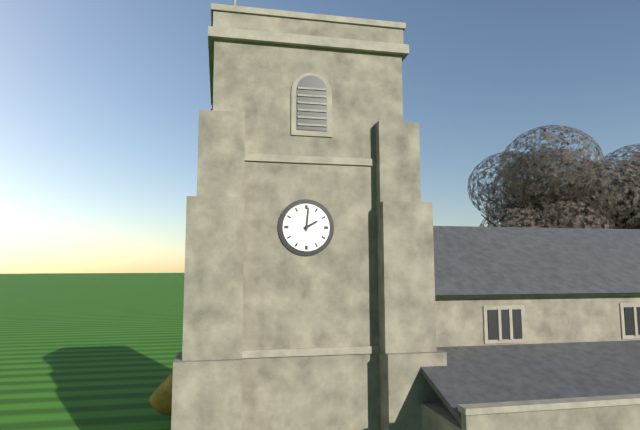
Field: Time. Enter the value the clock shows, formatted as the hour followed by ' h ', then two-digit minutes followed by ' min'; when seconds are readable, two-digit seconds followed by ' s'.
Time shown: 2 h 01 min
